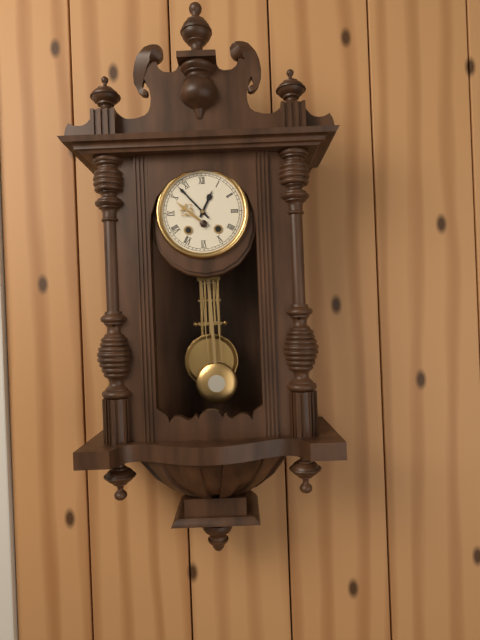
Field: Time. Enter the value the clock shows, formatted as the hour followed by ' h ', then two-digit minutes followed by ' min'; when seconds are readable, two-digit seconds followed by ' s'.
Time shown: 12 h 53 min
